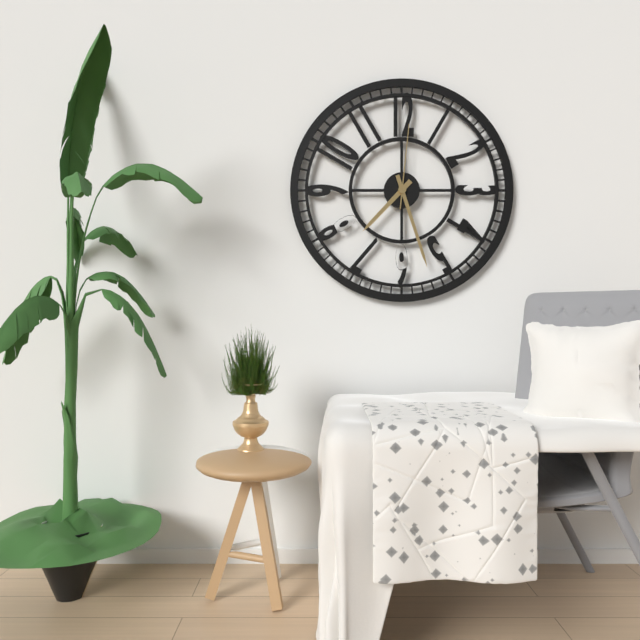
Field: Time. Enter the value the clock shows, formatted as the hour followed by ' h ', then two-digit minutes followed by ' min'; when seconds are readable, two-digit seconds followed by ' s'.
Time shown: 7 h 27 min 01 s
